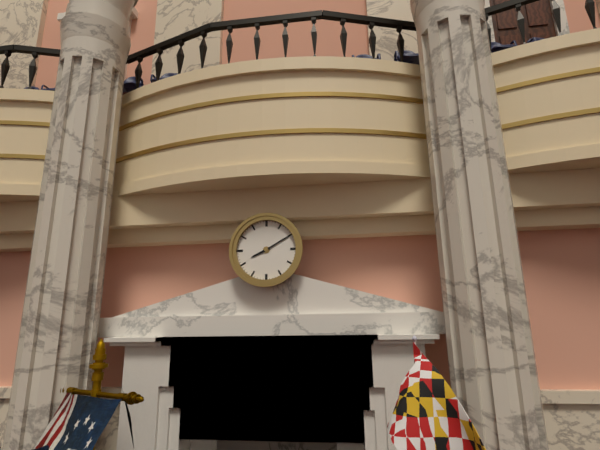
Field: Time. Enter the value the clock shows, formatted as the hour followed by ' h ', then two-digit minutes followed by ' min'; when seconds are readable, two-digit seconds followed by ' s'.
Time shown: 8 h 10 min
